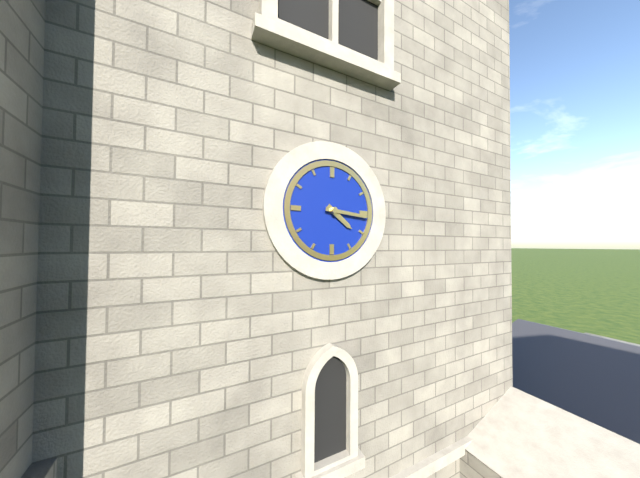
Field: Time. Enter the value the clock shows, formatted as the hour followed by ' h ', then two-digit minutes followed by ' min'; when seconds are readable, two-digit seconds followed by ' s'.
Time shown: 4 h 16 min
